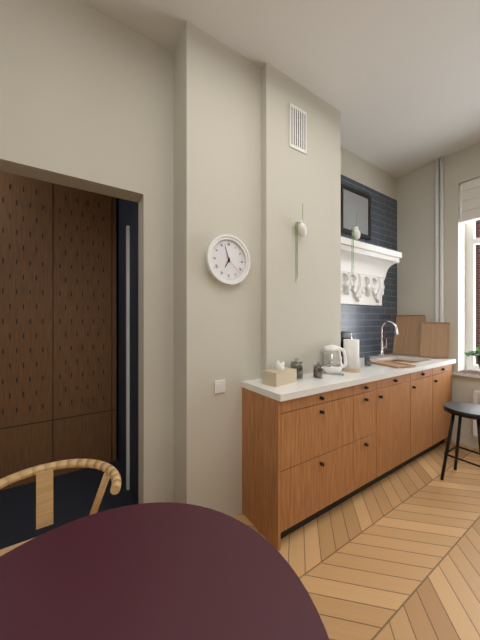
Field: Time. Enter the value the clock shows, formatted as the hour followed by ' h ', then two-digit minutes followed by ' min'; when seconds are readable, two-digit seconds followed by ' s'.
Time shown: 6 h 57 min
